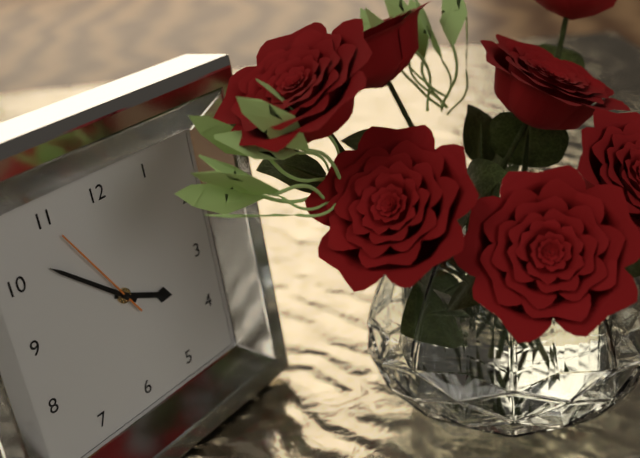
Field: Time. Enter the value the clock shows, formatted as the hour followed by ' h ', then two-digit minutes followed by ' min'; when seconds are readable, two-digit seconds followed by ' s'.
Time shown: 3 h 52 min 55 s
